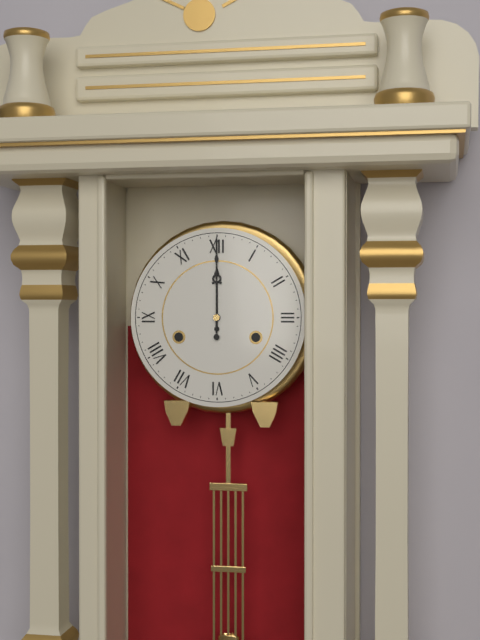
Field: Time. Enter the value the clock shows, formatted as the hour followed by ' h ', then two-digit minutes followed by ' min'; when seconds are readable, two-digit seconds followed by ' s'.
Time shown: 12 h 00 min
